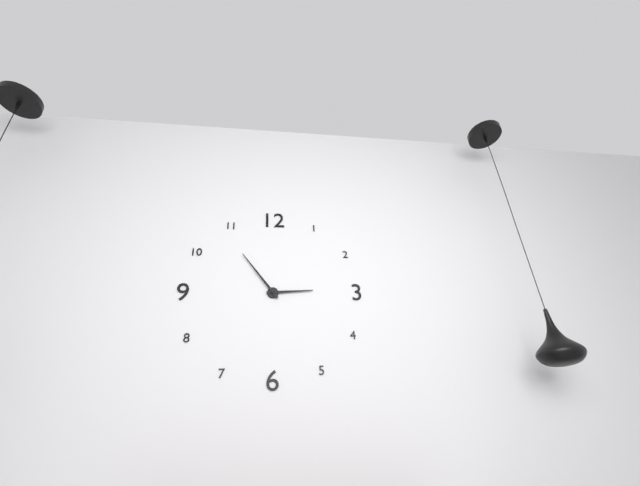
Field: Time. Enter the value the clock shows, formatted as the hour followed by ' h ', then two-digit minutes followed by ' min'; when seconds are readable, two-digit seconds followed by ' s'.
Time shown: 2 h 54 min
